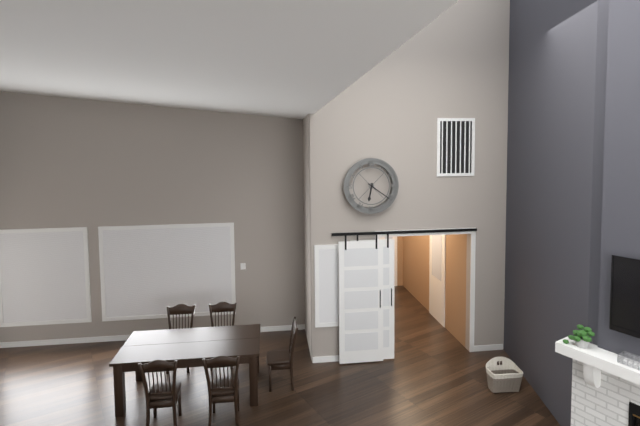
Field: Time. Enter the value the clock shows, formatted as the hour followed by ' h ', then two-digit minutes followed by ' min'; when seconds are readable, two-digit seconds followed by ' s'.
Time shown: 6 h 21 min
